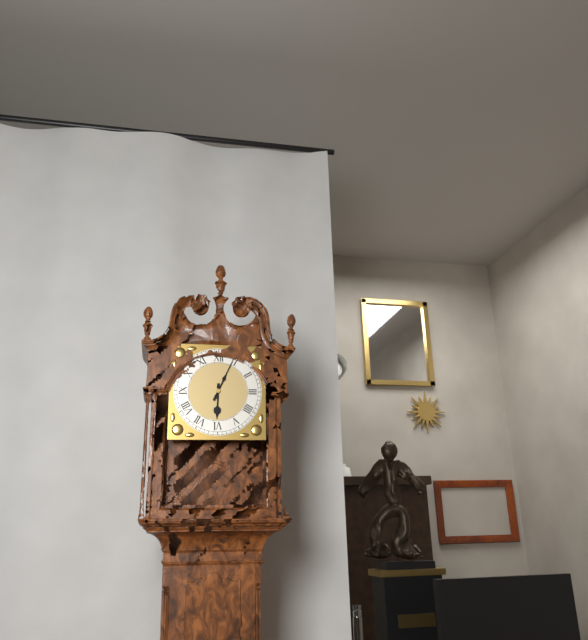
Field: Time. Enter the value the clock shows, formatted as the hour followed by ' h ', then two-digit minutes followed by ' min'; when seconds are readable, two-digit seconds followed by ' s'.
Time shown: 6 h 04 min
